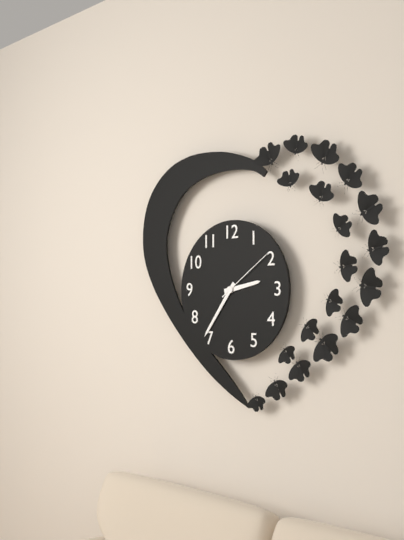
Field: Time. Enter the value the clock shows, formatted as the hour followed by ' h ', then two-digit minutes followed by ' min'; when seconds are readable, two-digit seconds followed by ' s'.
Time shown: 2 h 36 min 09 s
